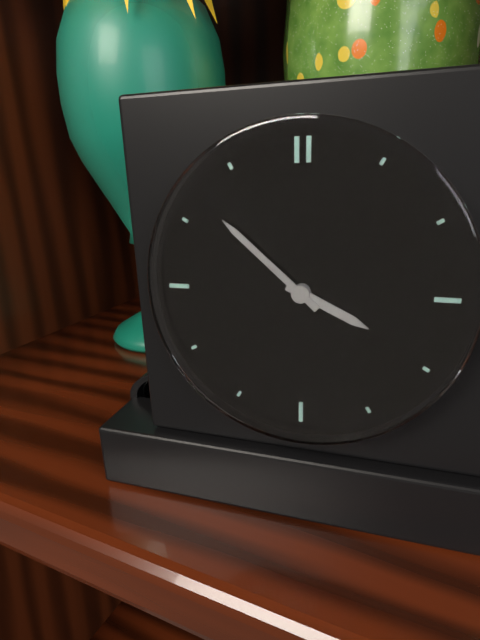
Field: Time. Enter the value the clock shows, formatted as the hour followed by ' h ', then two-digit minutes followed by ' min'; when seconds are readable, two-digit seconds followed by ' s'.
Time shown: 3 h 52 min
